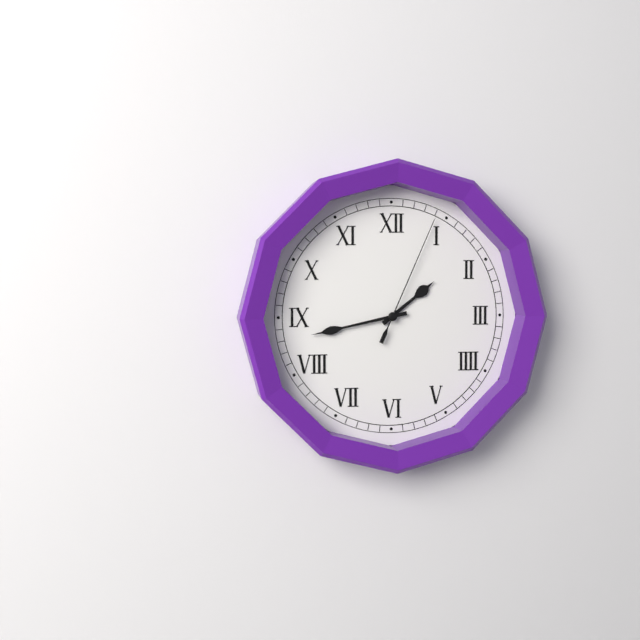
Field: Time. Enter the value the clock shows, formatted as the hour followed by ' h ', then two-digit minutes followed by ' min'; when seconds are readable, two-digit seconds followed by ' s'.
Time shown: 1 h 43 min 04 s
